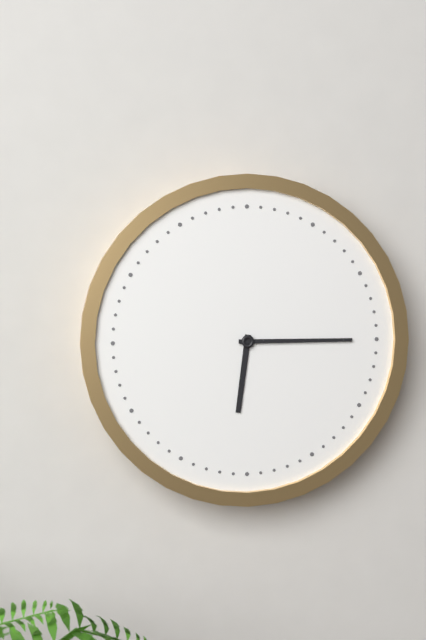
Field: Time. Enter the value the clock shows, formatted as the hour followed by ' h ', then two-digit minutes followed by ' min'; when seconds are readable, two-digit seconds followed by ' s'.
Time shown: 6 h 15 min
